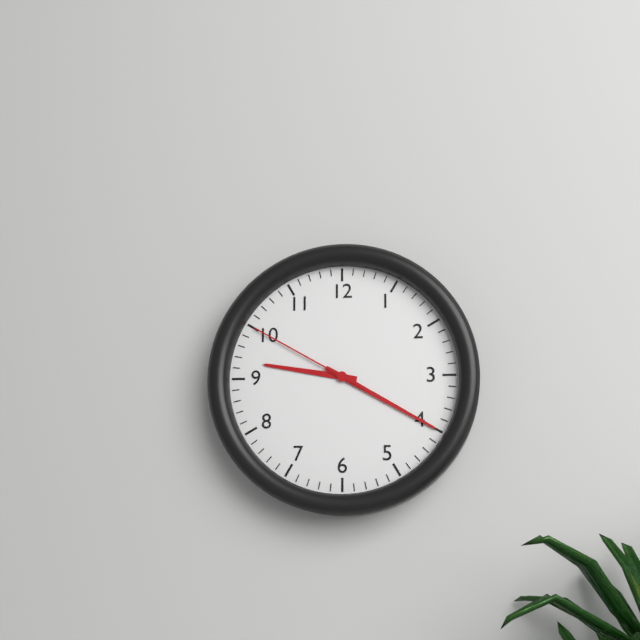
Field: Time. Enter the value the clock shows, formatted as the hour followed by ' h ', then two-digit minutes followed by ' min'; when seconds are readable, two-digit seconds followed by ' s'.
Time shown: 9 h 20 min 50 s
